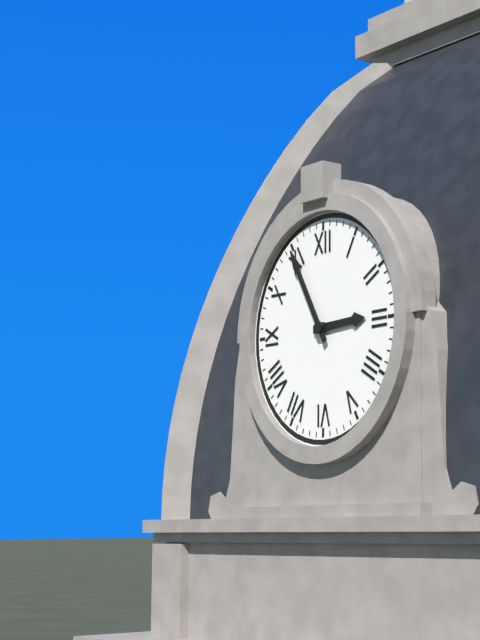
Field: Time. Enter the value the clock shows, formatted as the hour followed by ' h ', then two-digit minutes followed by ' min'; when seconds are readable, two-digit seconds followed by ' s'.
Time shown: 2 h 55 min
